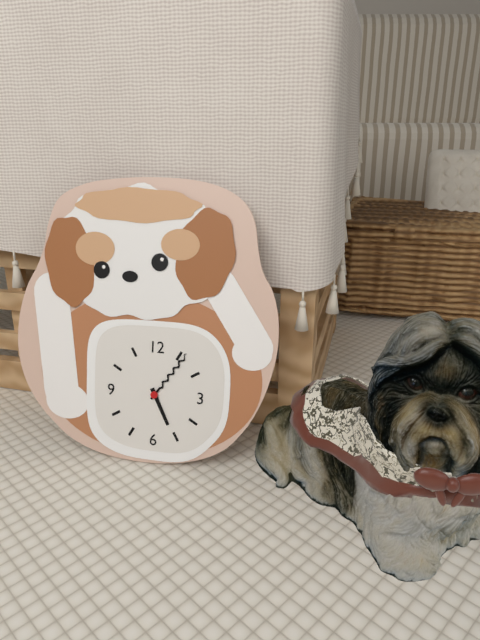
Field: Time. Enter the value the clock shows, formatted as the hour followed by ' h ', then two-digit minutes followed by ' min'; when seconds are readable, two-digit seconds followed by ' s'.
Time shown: 5 h 06 min
